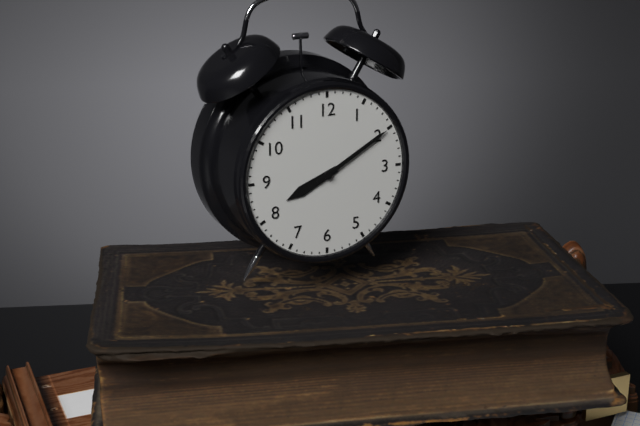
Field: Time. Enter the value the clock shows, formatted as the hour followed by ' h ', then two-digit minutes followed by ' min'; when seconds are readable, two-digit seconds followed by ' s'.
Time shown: 8 h 10 min
